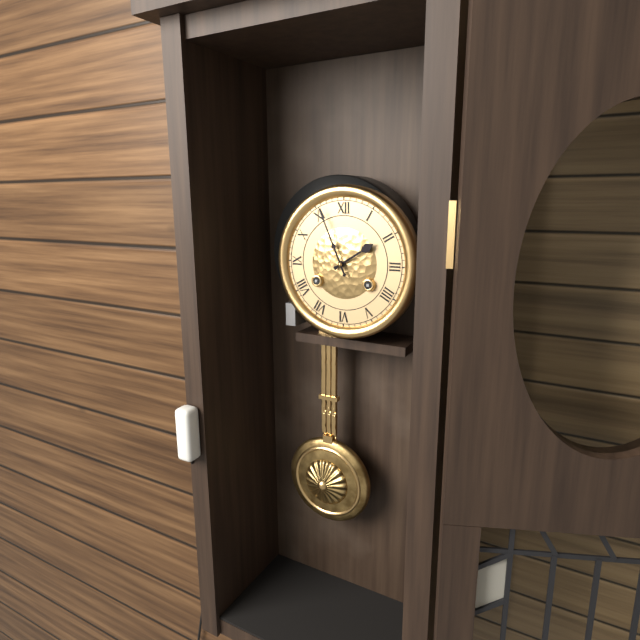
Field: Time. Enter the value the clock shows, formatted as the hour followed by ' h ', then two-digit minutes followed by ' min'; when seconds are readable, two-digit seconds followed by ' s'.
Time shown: 1 h 56 min
